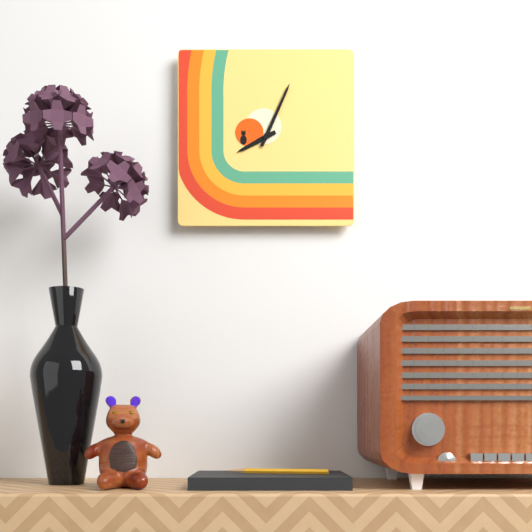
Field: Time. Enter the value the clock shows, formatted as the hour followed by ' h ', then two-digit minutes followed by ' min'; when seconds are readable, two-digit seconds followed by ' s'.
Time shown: 8 h 04 min
